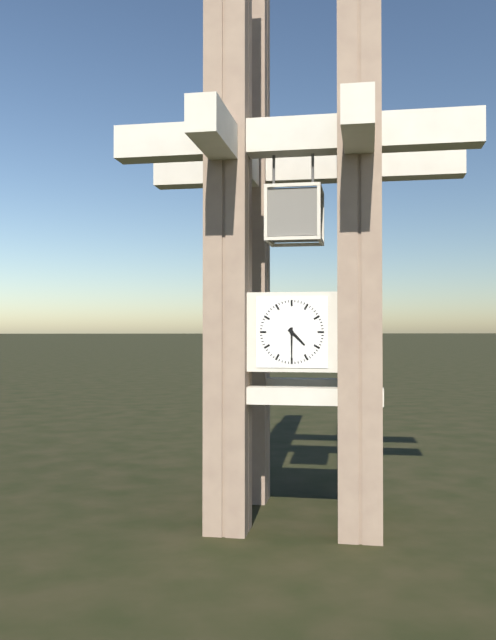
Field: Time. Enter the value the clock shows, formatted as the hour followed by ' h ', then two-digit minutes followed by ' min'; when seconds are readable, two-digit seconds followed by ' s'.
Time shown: 4 h 30 min
